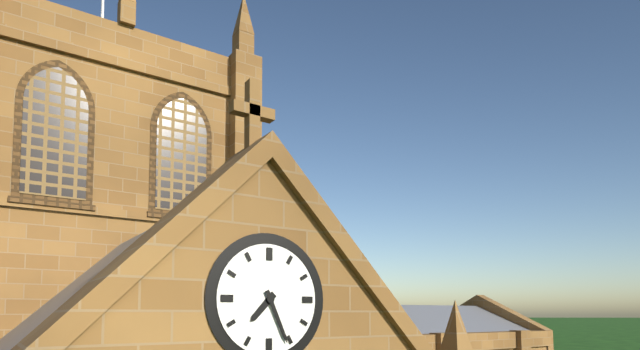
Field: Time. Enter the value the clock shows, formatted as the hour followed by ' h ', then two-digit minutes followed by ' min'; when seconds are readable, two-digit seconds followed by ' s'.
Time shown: 7 h 26 min
